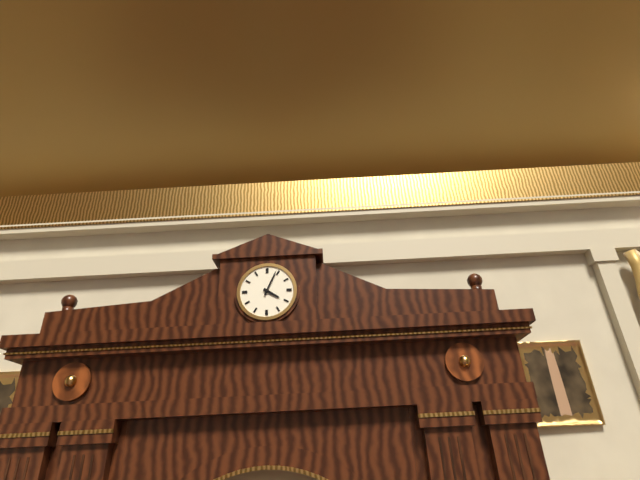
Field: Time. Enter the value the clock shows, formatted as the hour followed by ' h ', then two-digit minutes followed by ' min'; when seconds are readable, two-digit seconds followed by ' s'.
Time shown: 4 h 04 min
